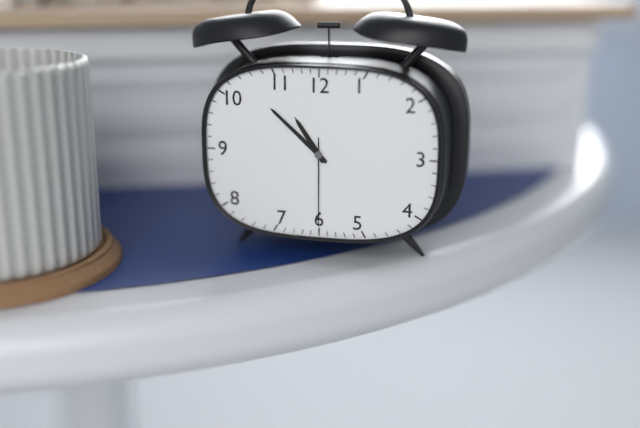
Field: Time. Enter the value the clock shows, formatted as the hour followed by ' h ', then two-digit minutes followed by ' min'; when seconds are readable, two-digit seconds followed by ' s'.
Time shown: 10 h 52 min 30 s
